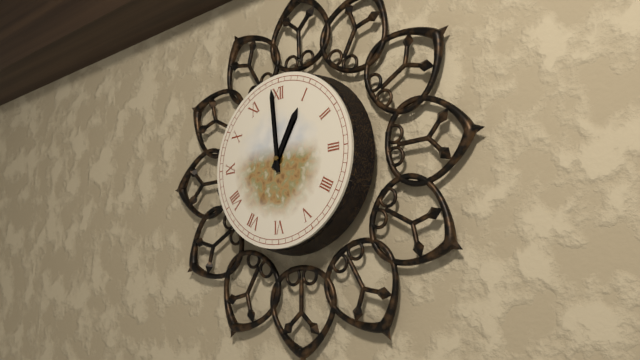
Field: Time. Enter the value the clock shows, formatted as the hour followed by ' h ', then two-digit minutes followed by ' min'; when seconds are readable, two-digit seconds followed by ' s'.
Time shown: 12 h 59 min
